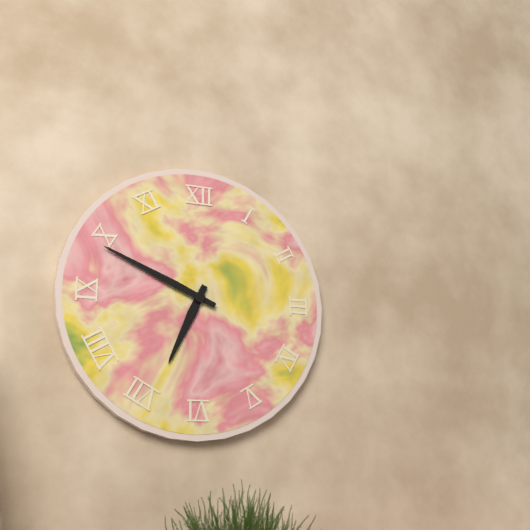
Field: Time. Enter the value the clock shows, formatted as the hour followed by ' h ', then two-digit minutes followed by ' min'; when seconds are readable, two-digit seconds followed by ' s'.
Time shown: 6 h 49 min
